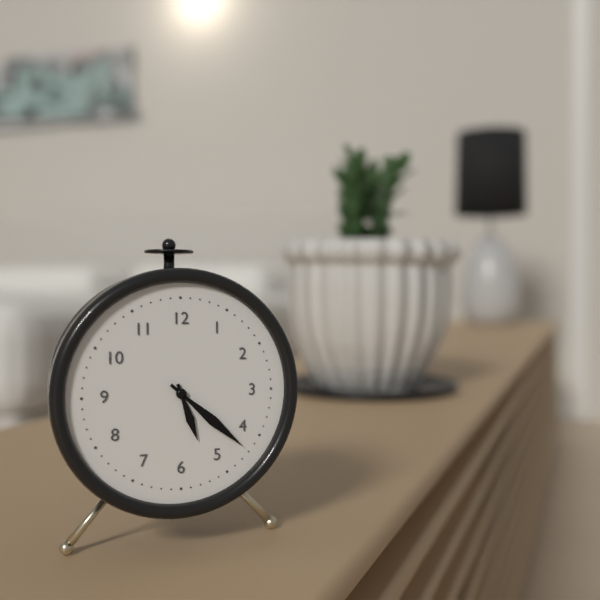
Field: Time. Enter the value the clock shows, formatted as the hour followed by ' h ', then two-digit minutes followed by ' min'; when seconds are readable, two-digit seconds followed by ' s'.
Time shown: 5 h 22 min
